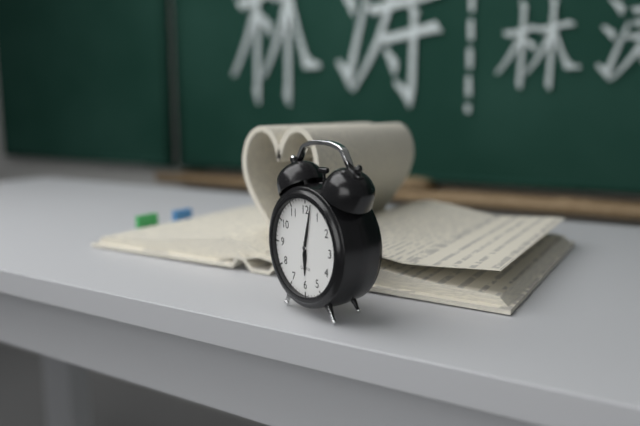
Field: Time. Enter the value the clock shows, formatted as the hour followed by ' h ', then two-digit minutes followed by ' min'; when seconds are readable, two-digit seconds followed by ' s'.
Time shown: 6 h 02 min
